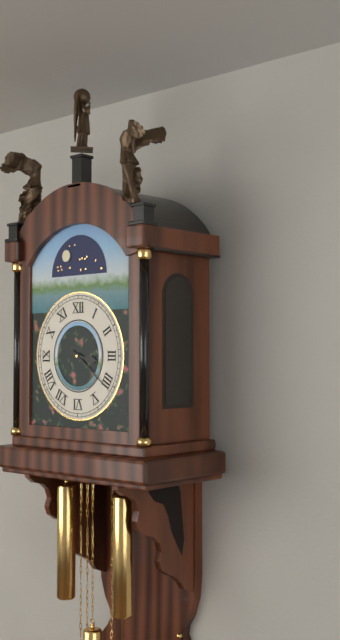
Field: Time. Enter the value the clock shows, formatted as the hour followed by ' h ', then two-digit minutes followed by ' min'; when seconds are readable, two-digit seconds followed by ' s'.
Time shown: 3 h 21 min
